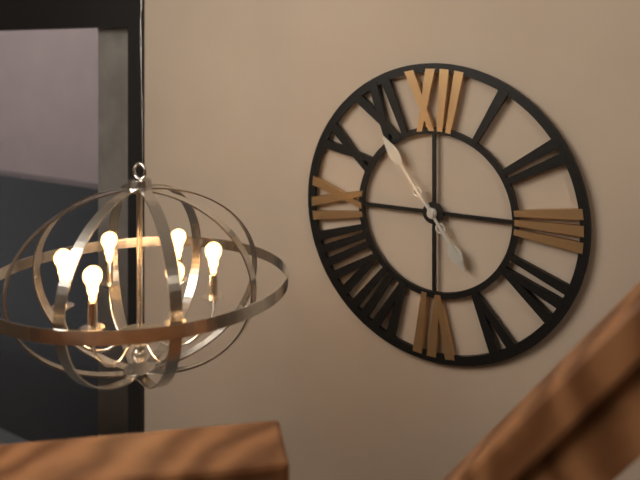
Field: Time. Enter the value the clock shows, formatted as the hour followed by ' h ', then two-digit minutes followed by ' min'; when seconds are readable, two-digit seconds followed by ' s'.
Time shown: 4 h 54 min
